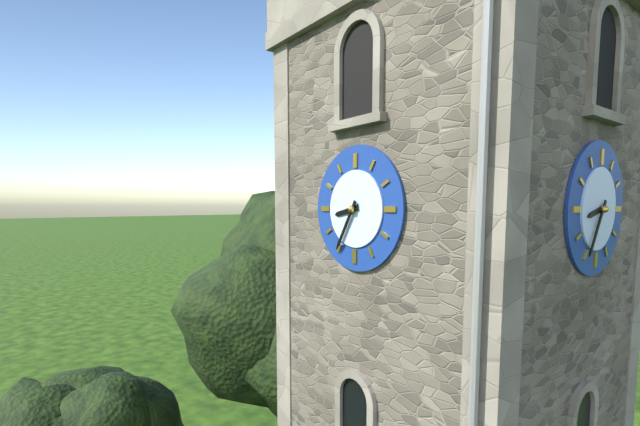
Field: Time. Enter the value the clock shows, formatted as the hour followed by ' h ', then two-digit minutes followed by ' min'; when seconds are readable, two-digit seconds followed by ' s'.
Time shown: 8 h 35 min
